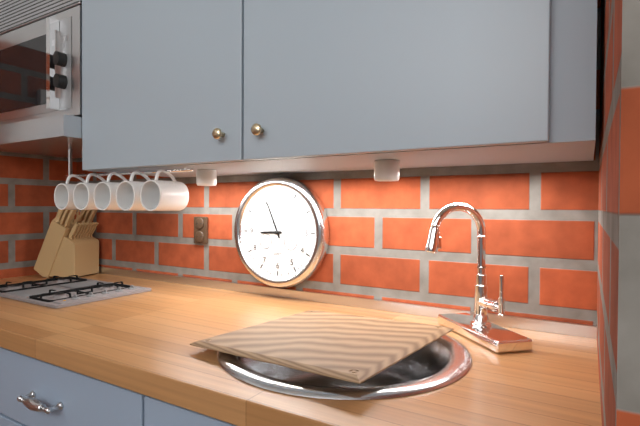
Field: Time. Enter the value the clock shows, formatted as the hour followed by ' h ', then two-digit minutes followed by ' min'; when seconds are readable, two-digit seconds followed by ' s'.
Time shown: 8 h 56 min
